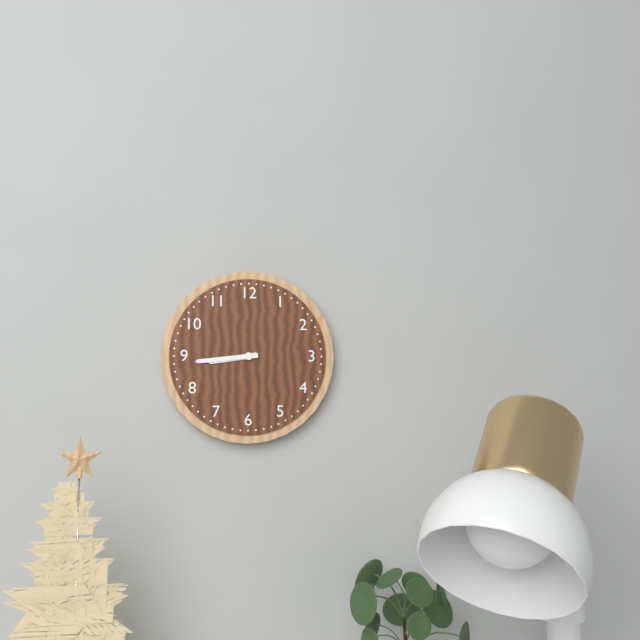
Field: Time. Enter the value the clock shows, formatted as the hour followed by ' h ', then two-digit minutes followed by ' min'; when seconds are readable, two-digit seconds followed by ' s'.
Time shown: 8 h 44 min
